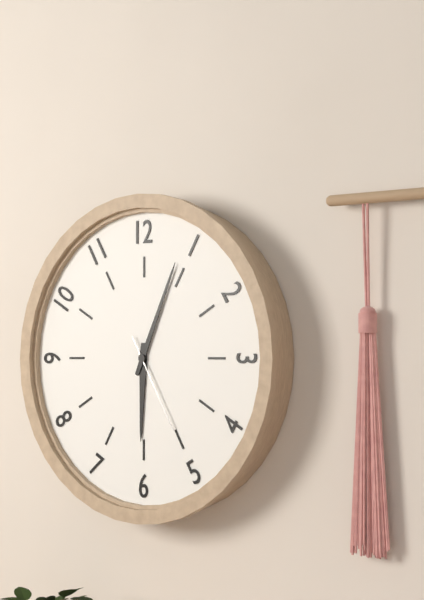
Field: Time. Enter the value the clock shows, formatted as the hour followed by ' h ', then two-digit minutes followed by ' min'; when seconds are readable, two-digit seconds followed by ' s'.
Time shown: 6 h 04 min 25 s
